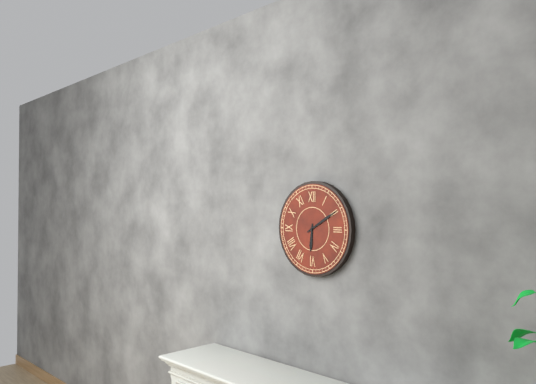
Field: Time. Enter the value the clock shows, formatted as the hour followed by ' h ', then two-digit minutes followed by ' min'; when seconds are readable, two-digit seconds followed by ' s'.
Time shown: 6 h 10 min
